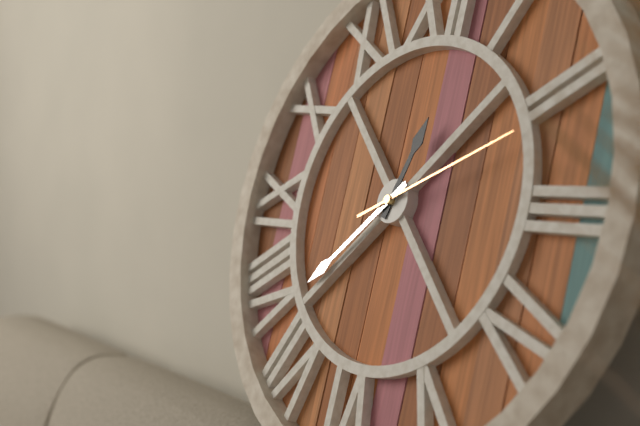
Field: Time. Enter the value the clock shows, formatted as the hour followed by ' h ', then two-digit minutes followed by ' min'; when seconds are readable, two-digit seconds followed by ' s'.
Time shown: 12 h 38 min 11 s
